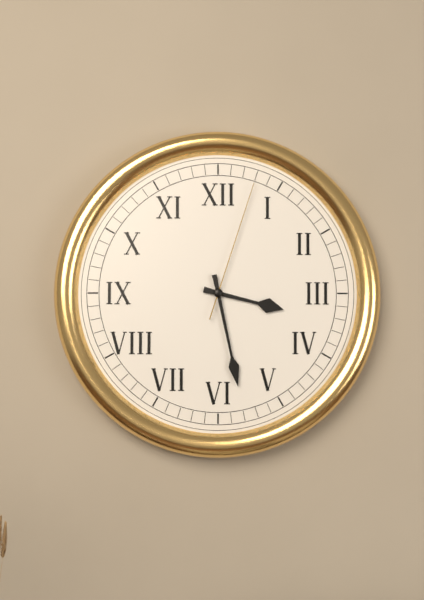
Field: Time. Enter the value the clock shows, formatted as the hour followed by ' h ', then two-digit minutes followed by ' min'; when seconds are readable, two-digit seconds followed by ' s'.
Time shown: 3 h 28 min 03 s
